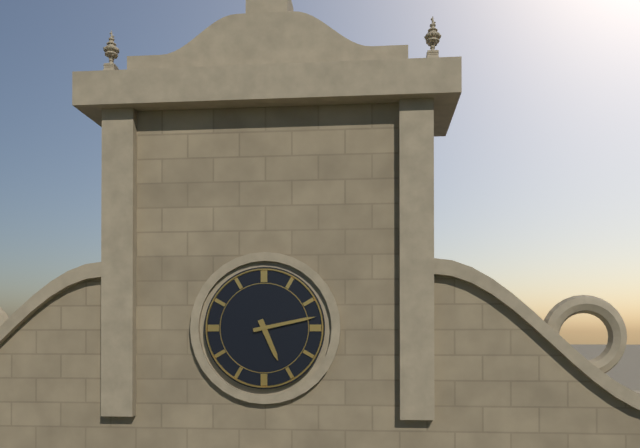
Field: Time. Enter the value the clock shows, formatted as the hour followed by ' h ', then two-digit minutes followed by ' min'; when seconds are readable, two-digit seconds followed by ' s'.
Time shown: 5 h 13 min
